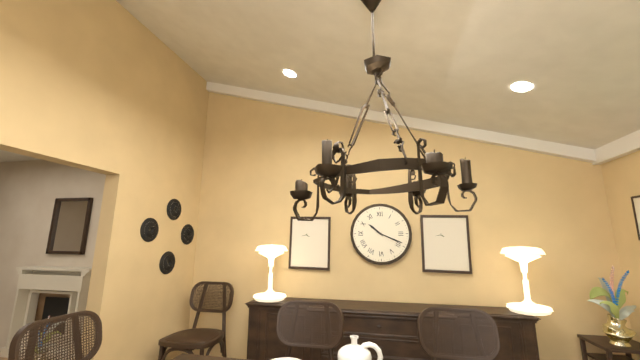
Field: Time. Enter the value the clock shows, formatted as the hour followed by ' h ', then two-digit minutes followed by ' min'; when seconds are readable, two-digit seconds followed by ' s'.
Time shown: 10 h 19 min
